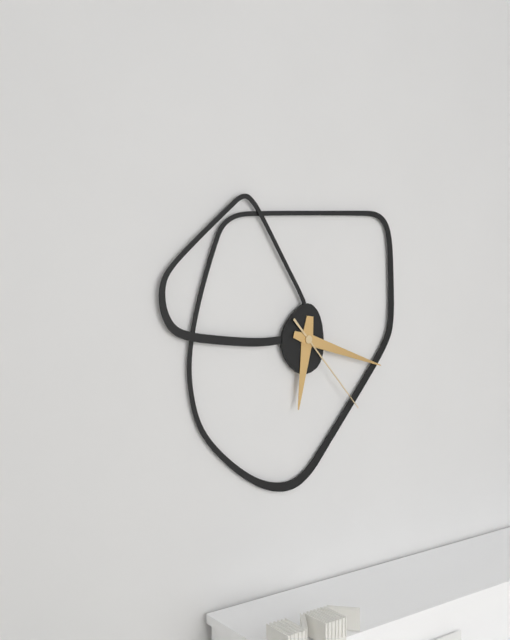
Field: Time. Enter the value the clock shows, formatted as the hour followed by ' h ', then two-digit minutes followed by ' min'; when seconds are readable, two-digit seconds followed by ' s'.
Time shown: 6 h 18 min 23 s
